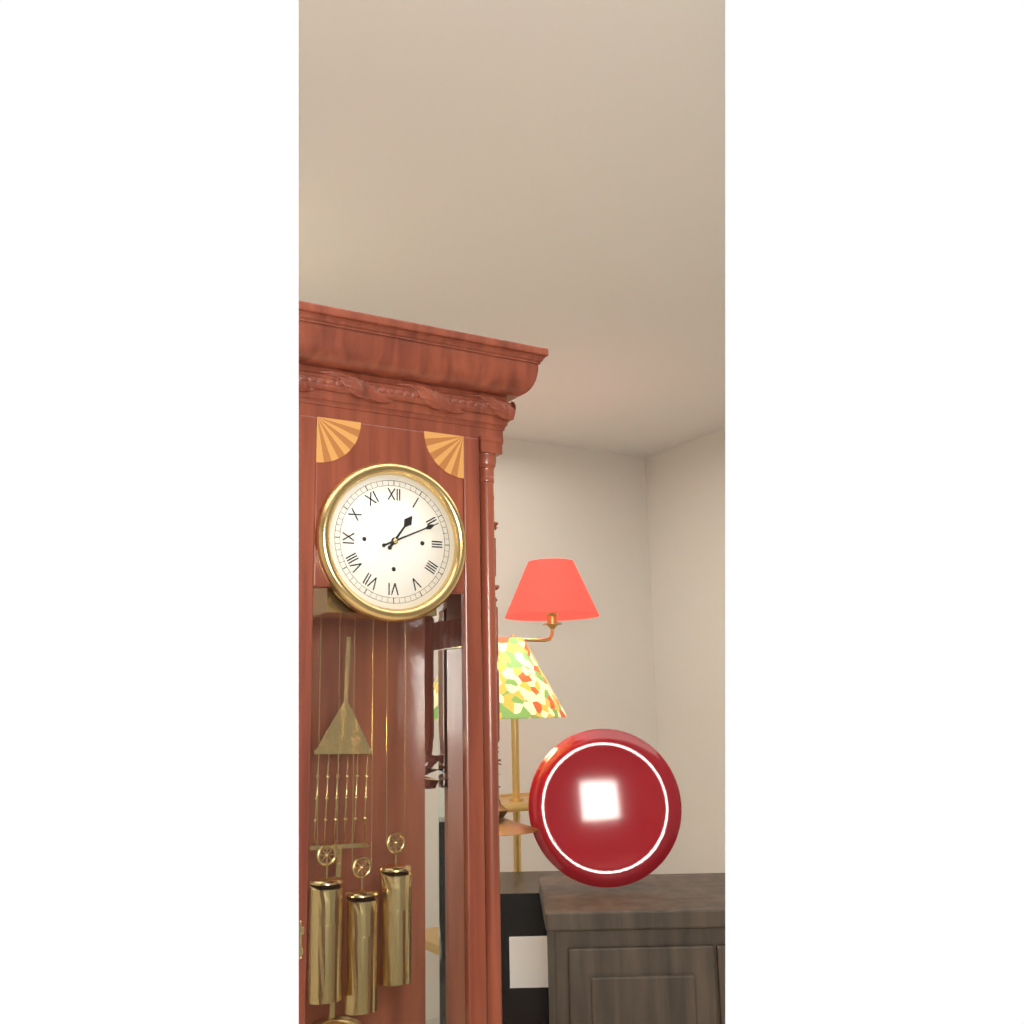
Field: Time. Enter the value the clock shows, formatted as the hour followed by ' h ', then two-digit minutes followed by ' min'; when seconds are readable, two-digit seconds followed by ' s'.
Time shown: 1 h 11 min
